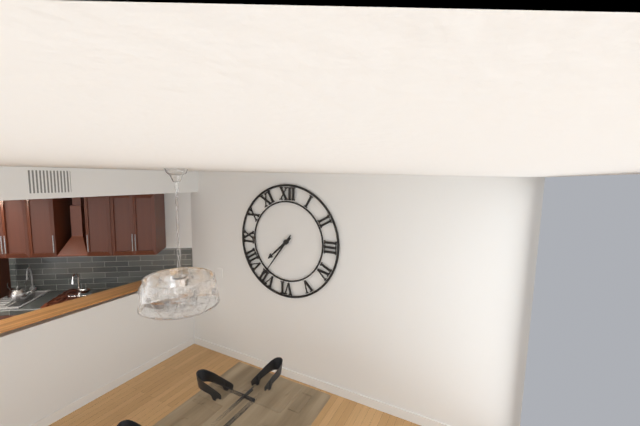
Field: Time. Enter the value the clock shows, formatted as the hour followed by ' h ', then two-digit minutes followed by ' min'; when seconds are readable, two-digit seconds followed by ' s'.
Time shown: 7 h 36 min
